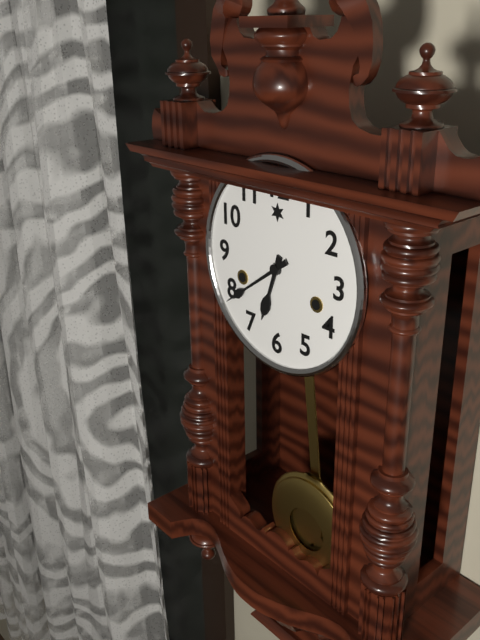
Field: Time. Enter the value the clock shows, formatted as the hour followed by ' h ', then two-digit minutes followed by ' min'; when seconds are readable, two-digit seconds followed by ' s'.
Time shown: 6 h 39 min
